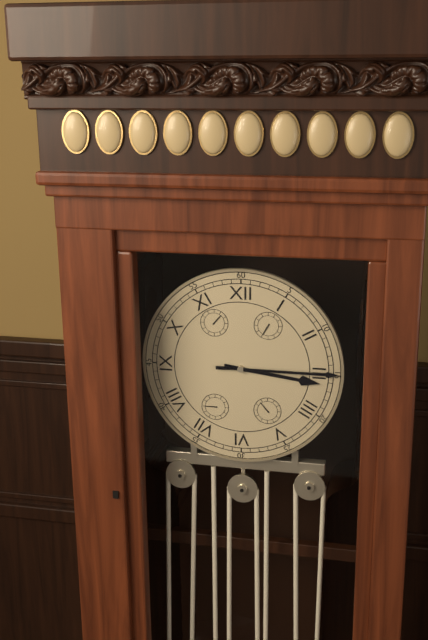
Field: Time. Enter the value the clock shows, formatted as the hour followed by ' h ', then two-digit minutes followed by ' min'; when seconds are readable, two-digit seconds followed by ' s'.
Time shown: 3 h 15 min
